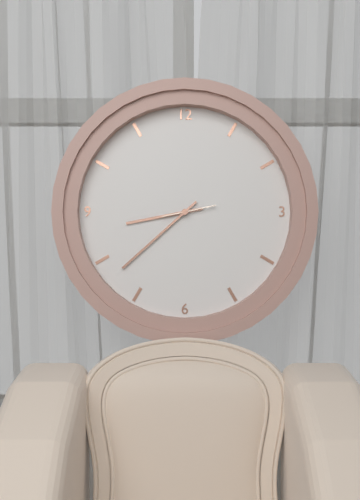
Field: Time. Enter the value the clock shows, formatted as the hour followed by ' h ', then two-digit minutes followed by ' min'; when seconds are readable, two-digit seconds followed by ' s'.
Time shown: 8 h 38 min
